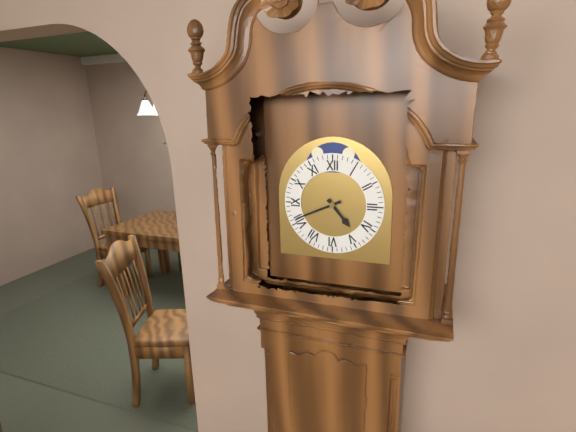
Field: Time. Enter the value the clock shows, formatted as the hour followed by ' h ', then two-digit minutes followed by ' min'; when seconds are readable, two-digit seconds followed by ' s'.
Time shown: 4 h 41 min
